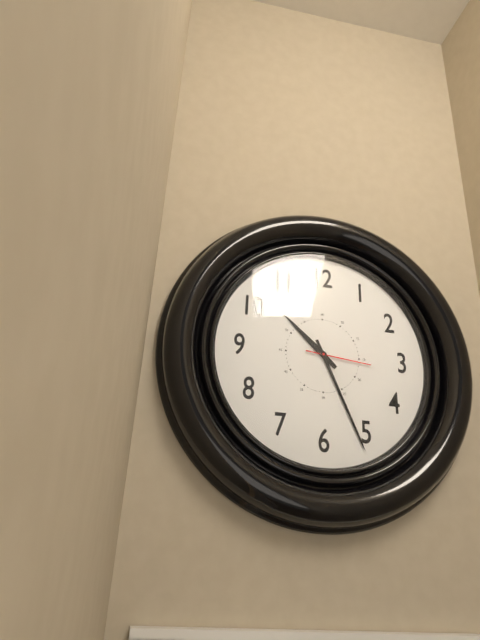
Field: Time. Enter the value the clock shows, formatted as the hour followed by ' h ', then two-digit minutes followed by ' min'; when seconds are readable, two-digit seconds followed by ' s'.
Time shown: 10 h 26 min 16 s
